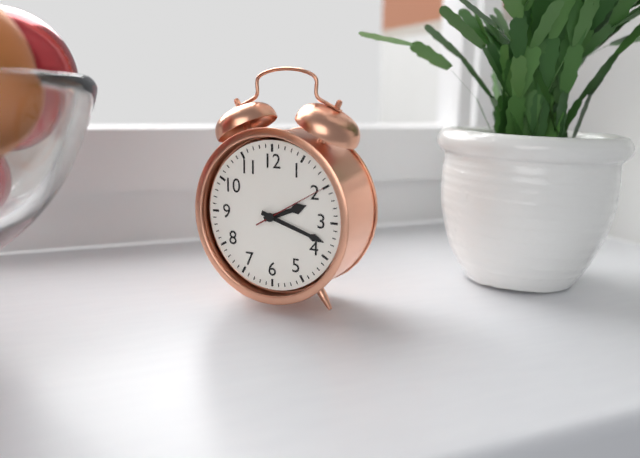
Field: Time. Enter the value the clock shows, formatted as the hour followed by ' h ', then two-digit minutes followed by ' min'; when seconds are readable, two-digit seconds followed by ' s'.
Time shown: 2 h 18 min 10 s
